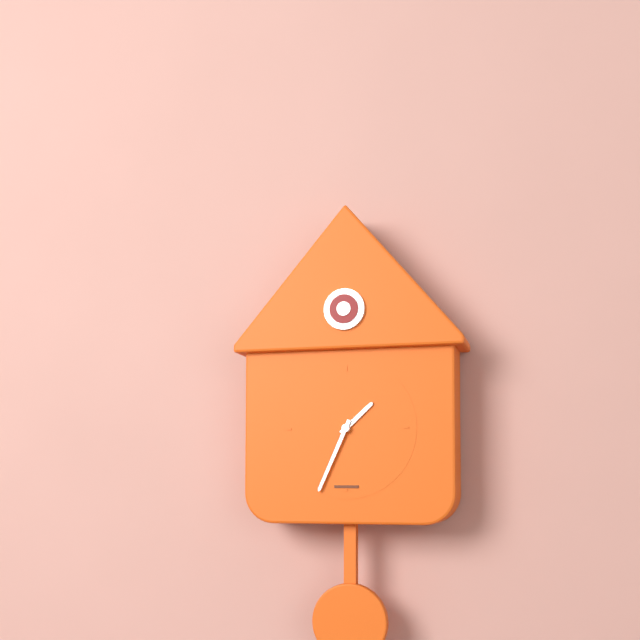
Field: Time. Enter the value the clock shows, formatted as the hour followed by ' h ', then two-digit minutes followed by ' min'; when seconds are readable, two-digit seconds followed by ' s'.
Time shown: 1 h 34 min
